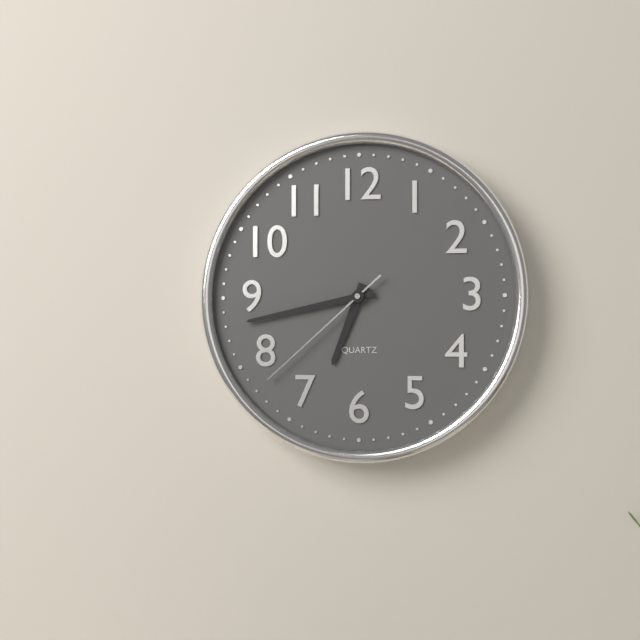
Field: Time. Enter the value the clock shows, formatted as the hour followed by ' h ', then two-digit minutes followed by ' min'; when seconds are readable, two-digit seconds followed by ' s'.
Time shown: 6 h 43 min 38 s
